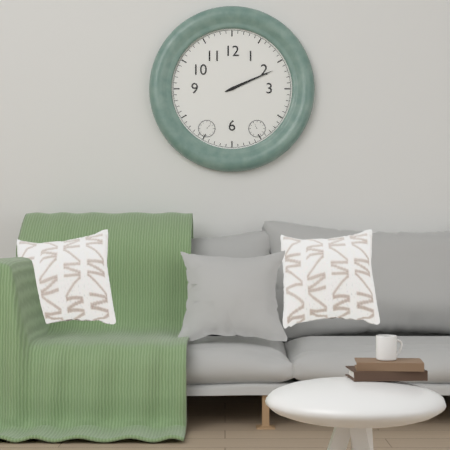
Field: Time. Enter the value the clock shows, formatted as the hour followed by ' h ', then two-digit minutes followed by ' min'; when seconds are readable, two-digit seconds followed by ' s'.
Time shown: 2 h 11 min
